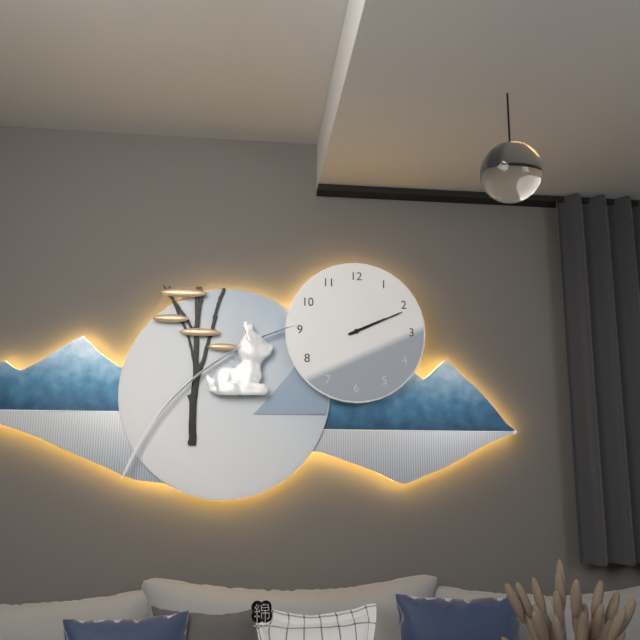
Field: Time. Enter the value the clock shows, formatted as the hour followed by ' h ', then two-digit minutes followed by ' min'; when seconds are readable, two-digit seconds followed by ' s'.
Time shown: 2 h 11 min
